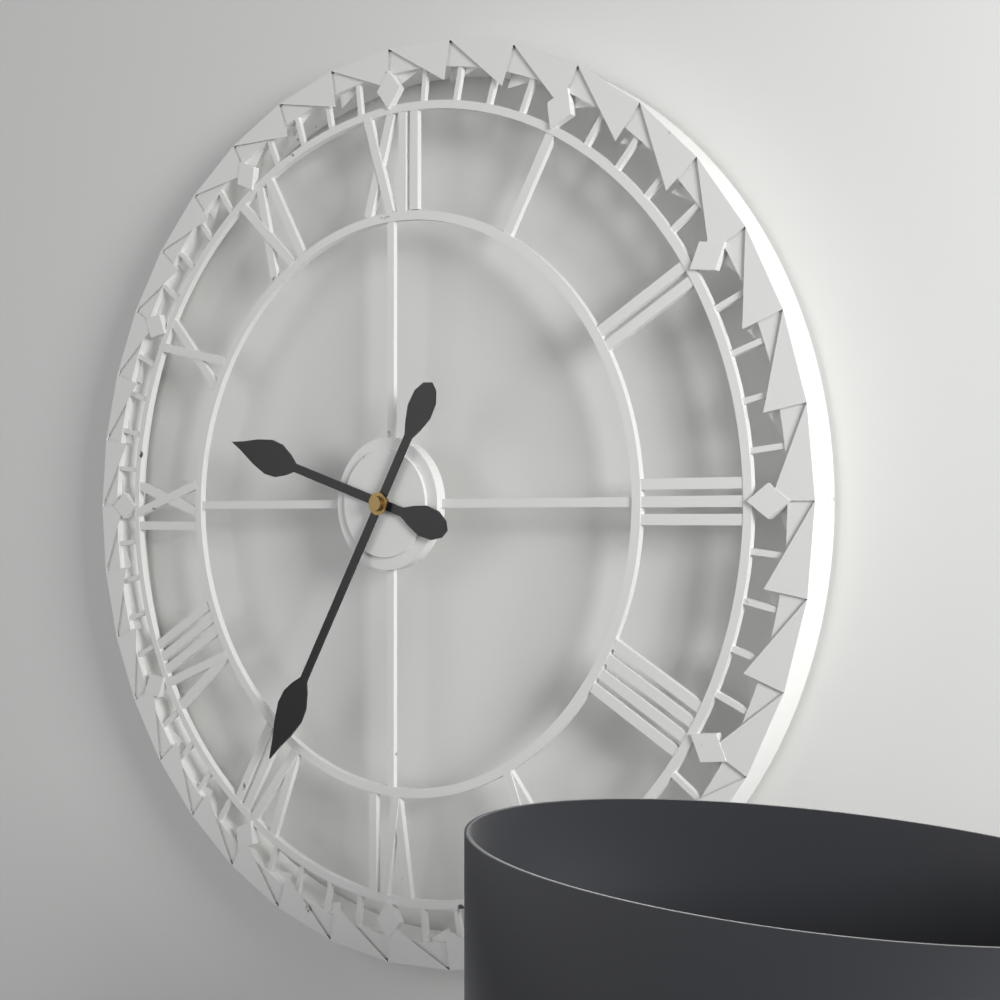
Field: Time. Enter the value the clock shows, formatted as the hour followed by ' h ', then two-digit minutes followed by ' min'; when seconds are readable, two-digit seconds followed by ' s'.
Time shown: 9 h 35 min
